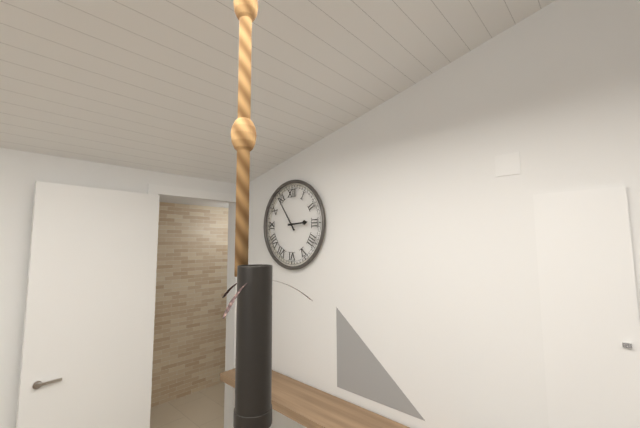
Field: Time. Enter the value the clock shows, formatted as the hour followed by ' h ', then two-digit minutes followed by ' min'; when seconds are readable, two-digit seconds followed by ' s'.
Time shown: 2 h 54 min
